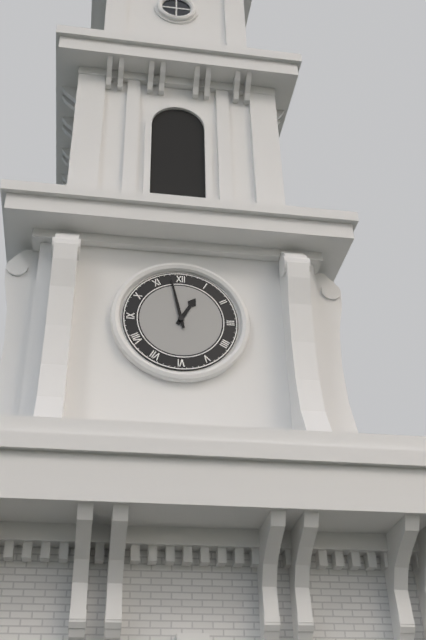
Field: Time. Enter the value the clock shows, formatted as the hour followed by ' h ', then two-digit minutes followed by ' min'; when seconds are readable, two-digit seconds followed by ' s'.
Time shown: 12 h 58 min
